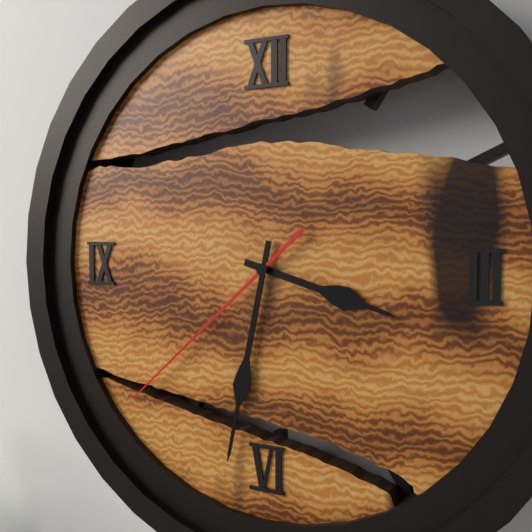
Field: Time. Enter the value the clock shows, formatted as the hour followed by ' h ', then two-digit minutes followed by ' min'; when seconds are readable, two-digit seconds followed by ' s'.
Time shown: 3 h 32 min 38 s
